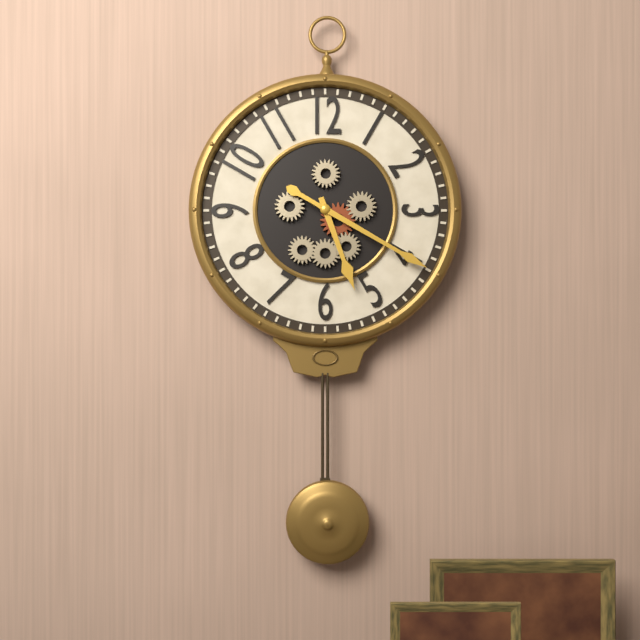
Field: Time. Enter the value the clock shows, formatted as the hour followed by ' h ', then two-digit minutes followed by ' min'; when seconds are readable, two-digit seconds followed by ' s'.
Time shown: 5 h 20 min
